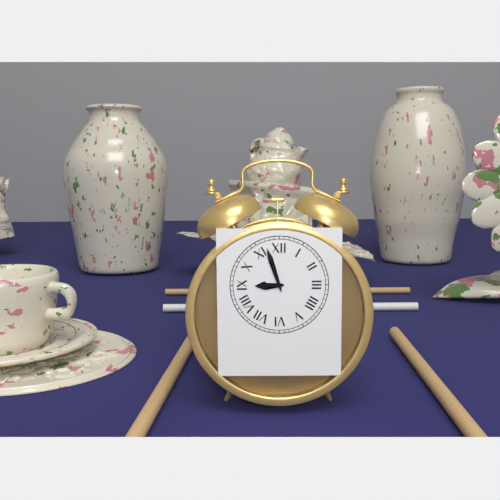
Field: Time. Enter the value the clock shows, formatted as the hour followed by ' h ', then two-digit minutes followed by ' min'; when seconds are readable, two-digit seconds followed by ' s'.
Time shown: 8 h 57 min
